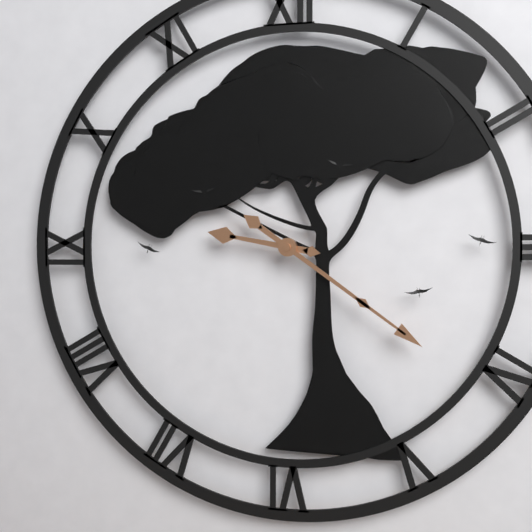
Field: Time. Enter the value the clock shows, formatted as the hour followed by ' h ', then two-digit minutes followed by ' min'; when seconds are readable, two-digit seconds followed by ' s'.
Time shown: 9 h 21 min
